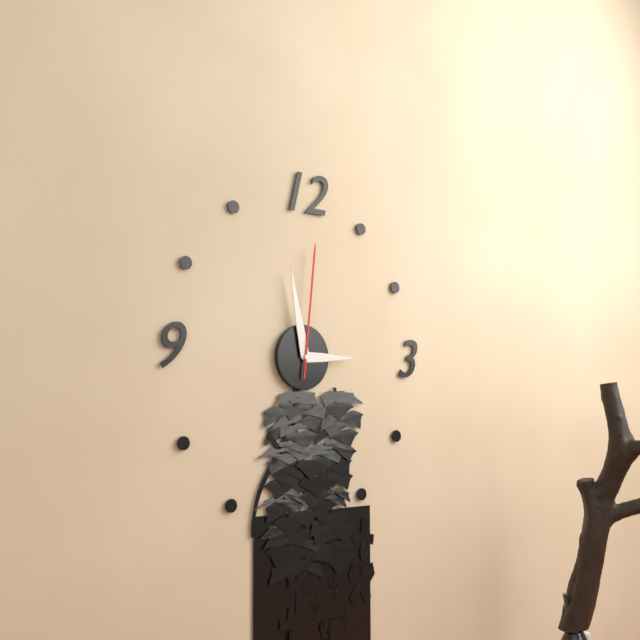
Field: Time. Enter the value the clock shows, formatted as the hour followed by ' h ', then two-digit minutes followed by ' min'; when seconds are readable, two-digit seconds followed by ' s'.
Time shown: 2 h 58 min 01 s
